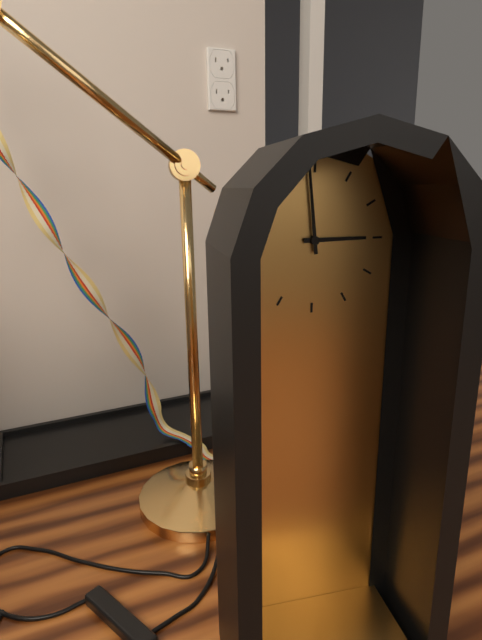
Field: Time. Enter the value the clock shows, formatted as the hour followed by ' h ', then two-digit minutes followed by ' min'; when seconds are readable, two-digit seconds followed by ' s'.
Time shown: 2 h 59 min
